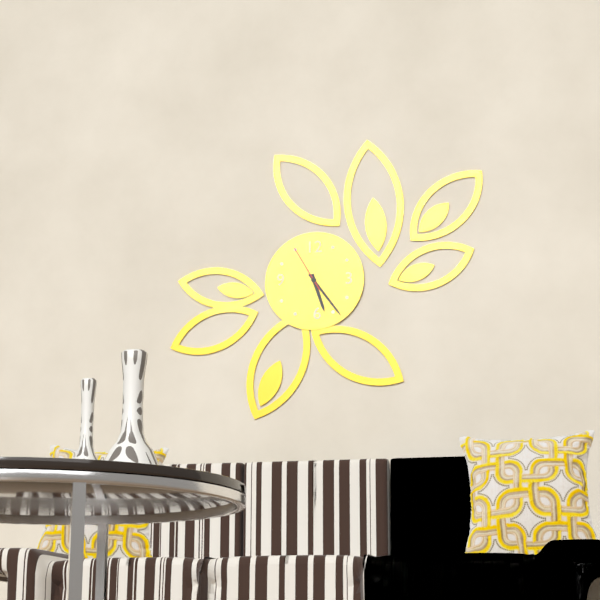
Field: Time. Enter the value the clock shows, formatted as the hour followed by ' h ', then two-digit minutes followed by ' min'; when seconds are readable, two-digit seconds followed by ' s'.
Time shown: 5 h 24 min 55 s
